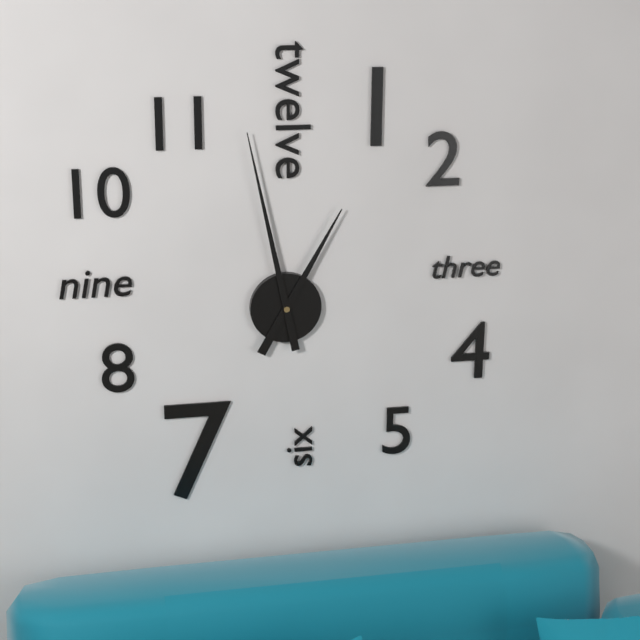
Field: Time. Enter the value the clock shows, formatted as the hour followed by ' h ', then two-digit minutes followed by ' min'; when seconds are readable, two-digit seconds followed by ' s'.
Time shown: 12 h 58 min
